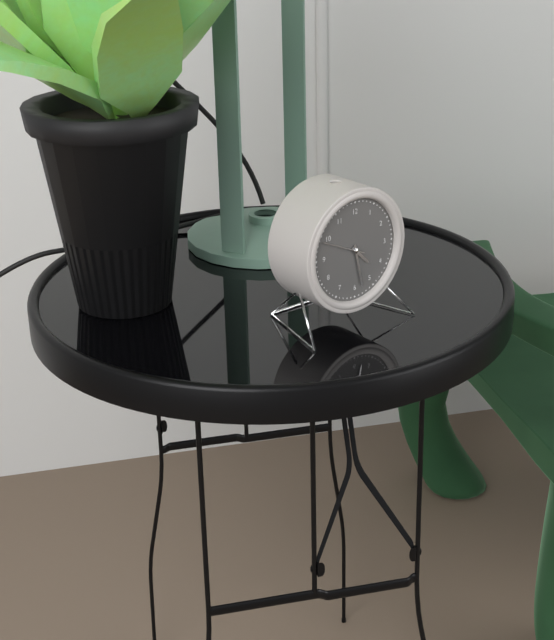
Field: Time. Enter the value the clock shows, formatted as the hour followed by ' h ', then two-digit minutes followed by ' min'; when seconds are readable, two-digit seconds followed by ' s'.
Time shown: 4 h 28 min
